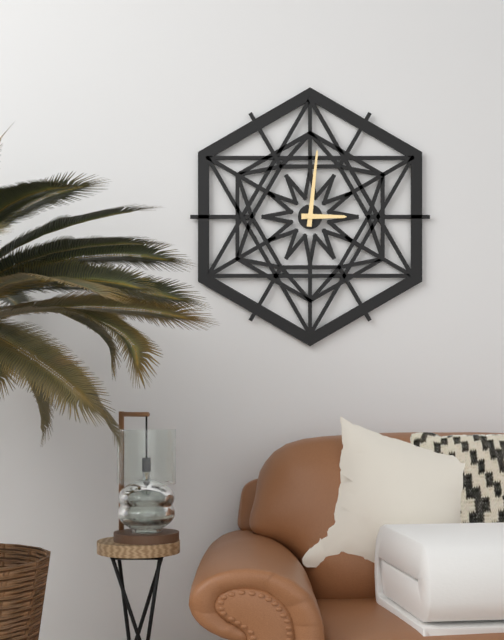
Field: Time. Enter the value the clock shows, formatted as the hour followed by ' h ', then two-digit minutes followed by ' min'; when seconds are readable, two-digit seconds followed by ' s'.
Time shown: 3 h 01 min
